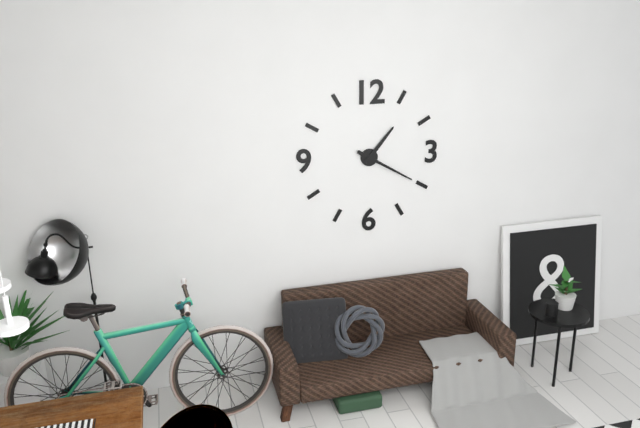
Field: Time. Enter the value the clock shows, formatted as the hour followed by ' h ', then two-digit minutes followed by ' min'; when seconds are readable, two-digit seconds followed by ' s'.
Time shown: 1 h 20 min
